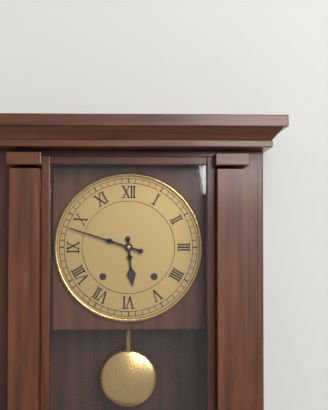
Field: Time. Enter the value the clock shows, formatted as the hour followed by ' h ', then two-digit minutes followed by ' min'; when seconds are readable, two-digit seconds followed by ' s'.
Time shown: 5 h 48 min
